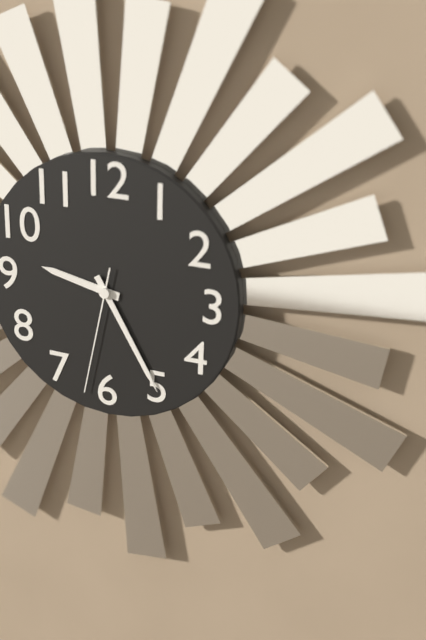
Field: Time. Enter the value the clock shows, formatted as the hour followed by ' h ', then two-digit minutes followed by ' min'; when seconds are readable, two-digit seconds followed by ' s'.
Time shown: 9 h 25 min 32 s
